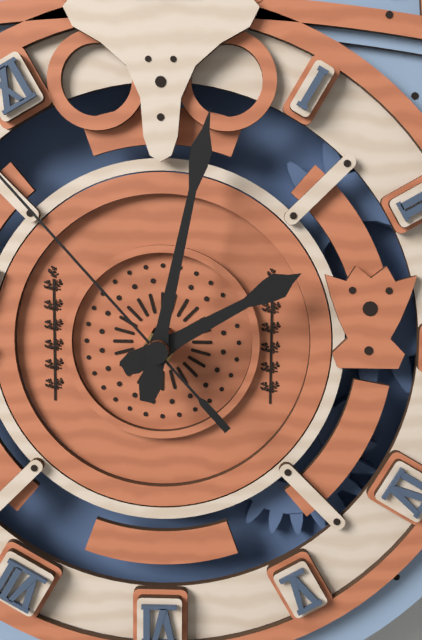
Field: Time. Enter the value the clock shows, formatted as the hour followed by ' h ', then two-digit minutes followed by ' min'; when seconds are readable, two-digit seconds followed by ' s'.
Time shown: 2 h 02 min
